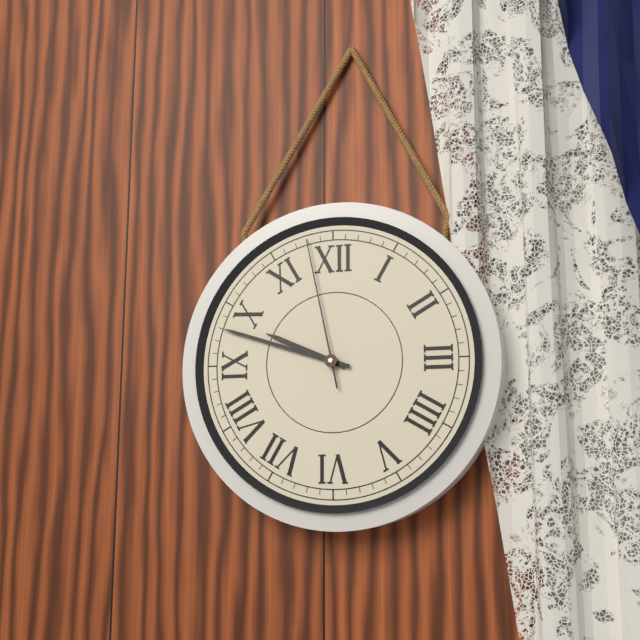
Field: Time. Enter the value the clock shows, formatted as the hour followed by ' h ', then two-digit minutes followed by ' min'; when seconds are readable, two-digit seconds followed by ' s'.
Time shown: 9 h 48 min 58 s
